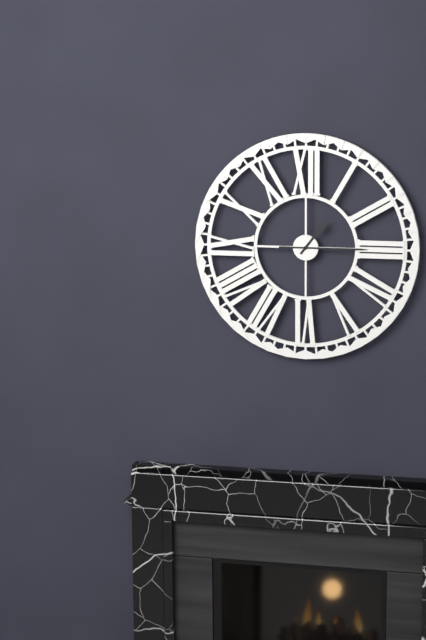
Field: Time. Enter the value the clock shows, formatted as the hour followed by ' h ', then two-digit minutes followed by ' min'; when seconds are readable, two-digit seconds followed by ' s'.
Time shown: 1 h 15 min
